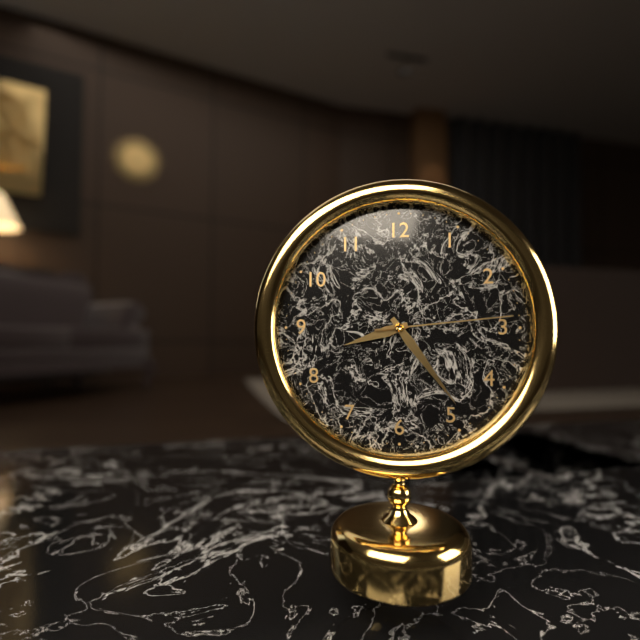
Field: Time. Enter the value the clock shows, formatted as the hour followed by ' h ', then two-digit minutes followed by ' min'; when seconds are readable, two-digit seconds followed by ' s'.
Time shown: 8 h 24 min 14 s
